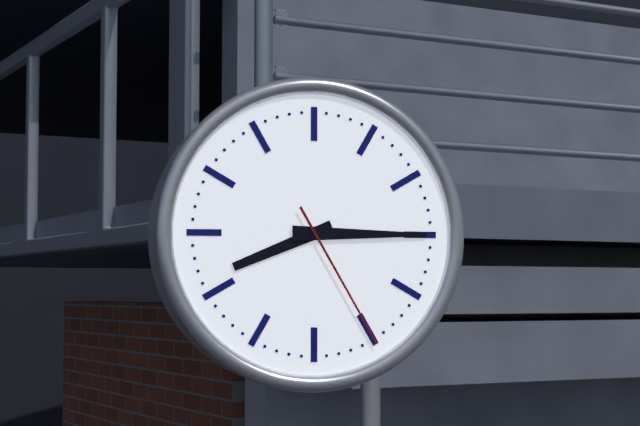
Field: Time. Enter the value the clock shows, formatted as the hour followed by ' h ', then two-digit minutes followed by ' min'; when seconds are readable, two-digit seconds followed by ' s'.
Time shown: 8 h 15 min 25 s
